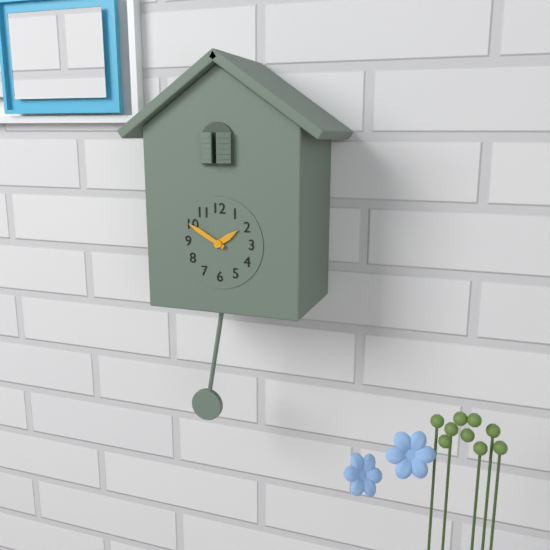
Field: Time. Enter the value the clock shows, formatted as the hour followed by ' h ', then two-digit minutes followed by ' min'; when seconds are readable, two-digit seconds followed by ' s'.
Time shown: 1 h 50 min
